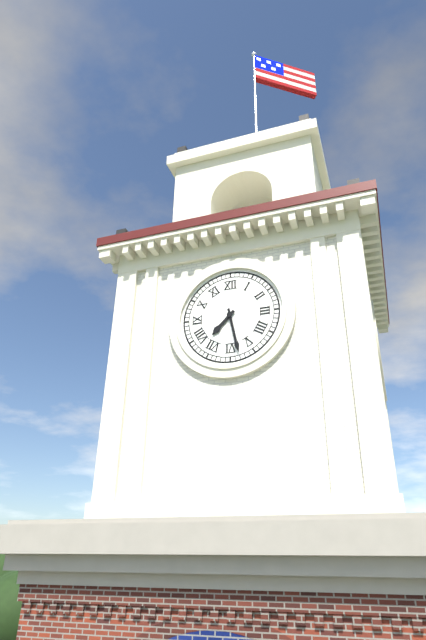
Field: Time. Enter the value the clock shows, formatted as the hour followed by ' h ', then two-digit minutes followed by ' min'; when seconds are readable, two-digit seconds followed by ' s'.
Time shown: 7 h 28 min
